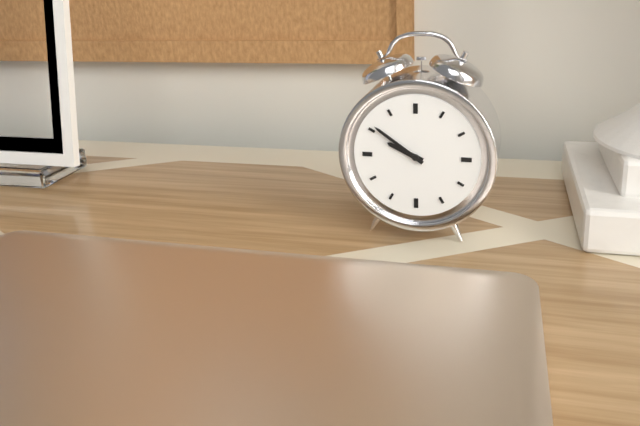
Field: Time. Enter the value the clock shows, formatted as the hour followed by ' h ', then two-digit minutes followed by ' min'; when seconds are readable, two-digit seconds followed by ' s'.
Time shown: 9 h 51 min
